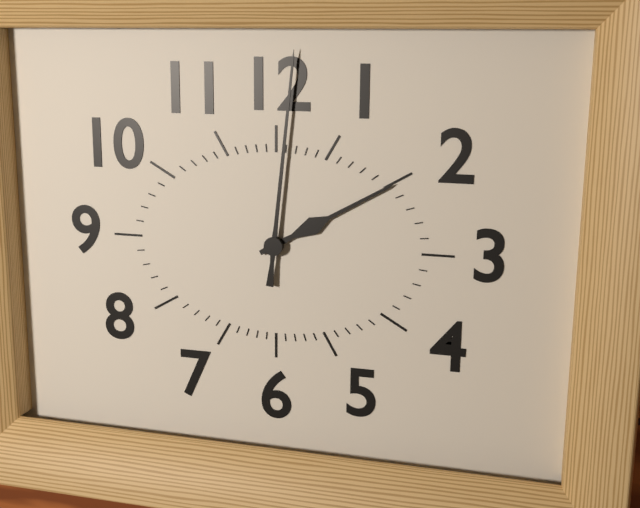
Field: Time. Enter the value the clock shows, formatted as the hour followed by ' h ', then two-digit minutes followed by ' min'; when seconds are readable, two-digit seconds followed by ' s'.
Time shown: 2 h 01 min
